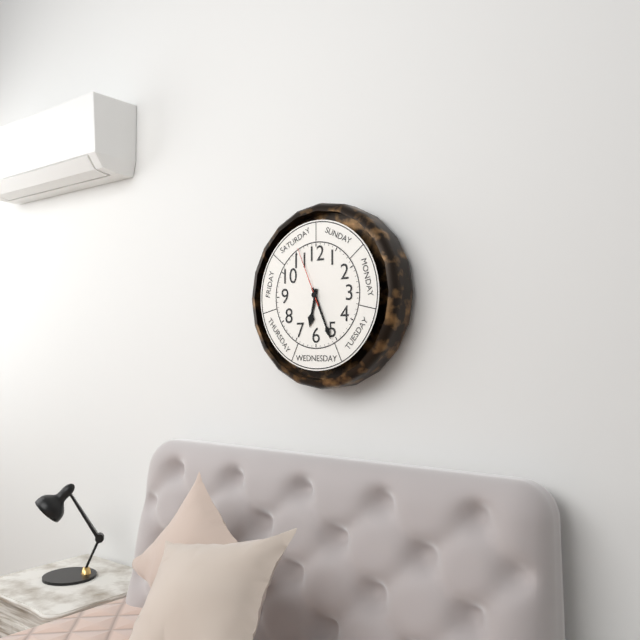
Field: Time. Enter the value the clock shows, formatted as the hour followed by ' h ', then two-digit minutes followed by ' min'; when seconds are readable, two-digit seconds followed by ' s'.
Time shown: 6 h 26 min 56 s
